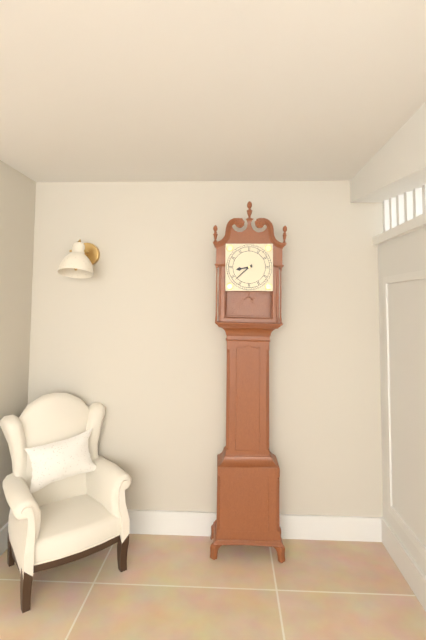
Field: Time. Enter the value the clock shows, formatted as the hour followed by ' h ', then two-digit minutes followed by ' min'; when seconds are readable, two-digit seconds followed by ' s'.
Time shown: 8 h 38 min
